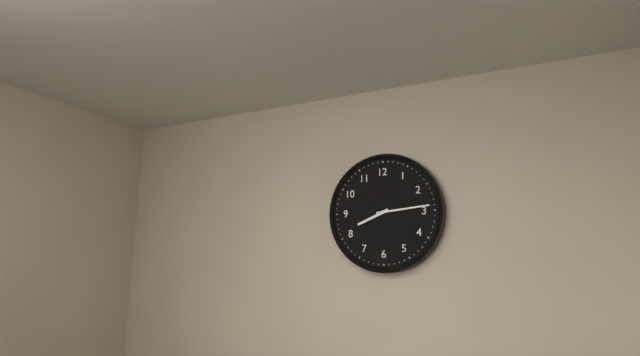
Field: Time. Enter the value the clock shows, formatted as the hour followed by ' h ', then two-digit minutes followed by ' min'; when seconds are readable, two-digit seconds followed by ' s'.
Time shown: 8 h 14 min
